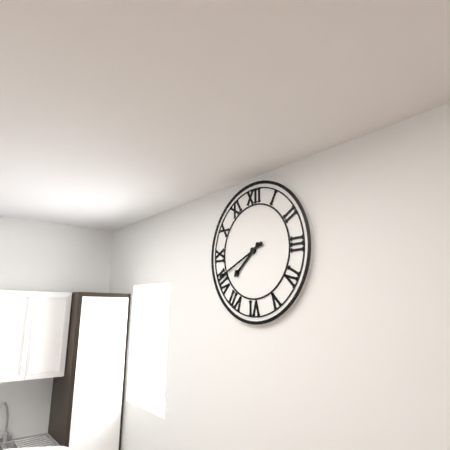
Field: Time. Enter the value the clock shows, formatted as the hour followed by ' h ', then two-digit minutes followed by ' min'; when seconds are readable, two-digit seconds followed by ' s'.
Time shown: 7 h 41 min
